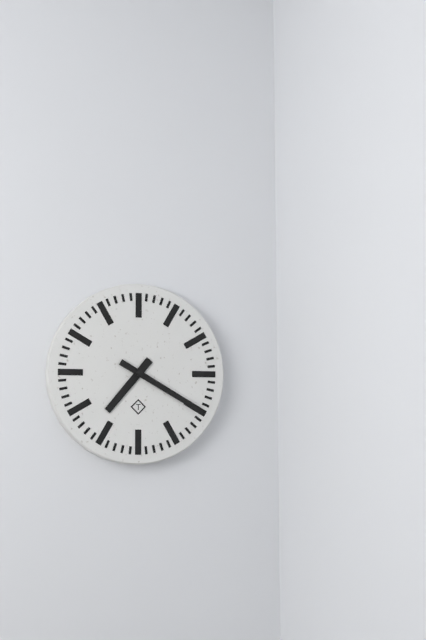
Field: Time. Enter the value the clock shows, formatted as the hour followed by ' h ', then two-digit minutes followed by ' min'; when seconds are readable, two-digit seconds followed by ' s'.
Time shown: 7 h 20 min
